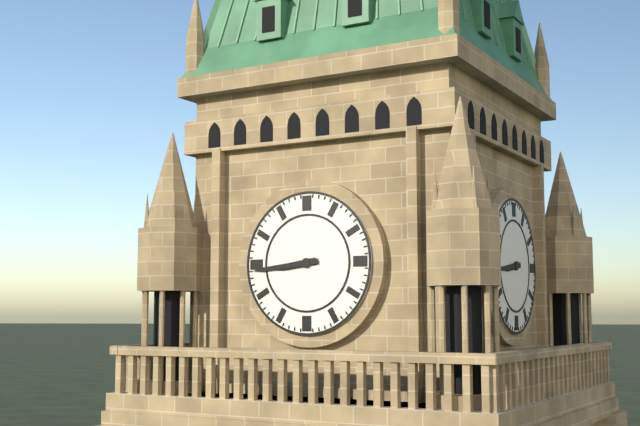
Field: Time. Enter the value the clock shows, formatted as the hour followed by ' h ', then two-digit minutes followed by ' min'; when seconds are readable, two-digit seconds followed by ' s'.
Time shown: 8 h 44 min
